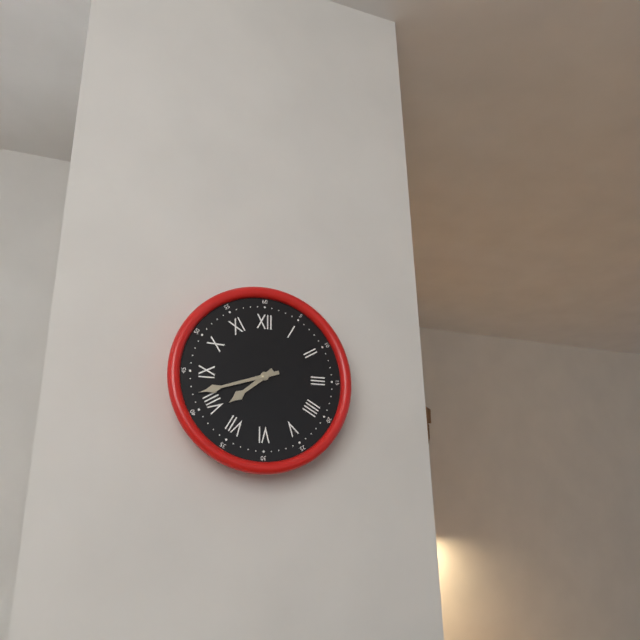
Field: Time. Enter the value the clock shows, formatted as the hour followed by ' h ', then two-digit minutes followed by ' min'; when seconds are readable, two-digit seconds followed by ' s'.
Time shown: 7 h 42 min
